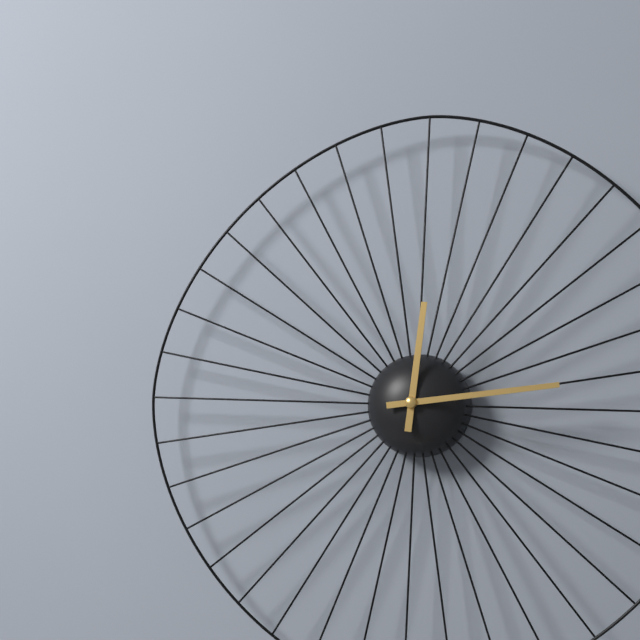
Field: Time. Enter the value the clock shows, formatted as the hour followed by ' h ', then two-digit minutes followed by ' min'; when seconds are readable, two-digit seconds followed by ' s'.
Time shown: 12 h 14 min
